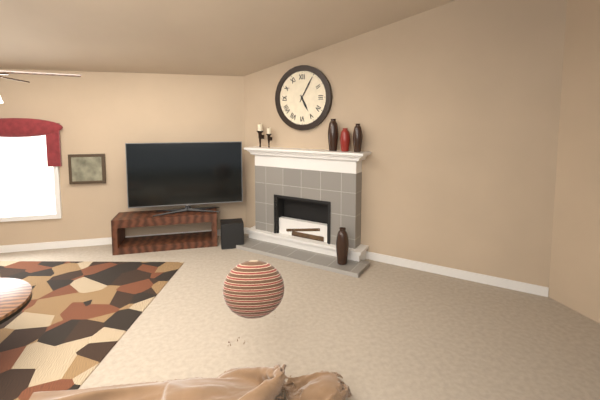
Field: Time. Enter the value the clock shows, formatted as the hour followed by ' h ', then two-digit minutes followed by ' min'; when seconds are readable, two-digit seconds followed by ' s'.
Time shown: 5 h 05 min
